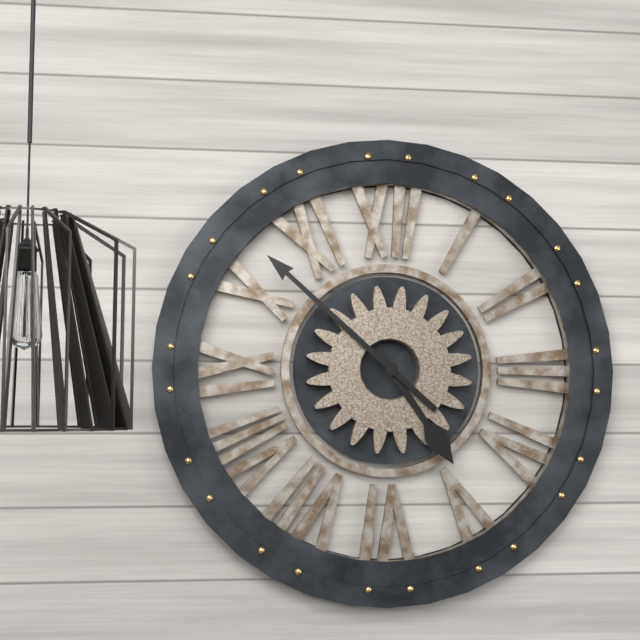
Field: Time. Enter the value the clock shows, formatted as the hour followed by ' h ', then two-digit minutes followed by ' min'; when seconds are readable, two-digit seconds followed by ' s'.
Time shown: 4 h 52 min
